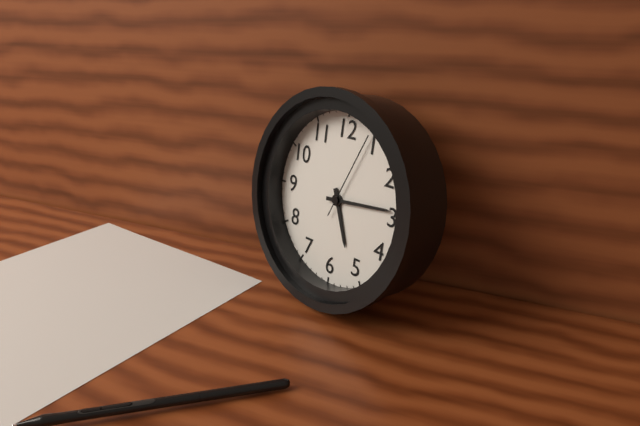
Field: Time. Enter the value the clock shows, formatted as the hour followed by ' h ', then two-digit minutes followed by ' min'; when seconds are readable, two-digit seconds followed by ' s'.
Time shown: 5 h 14 min 04 s
